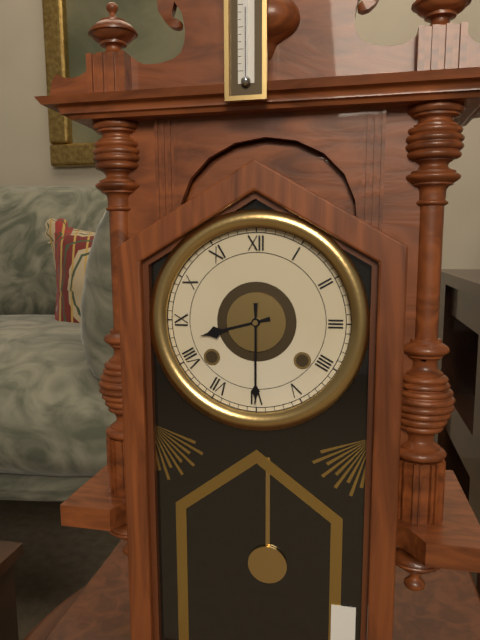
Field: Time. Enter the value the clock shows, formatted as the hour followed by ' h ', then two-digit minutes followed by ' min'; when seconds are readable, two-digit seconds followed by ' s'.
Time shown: 8 h 30 min
